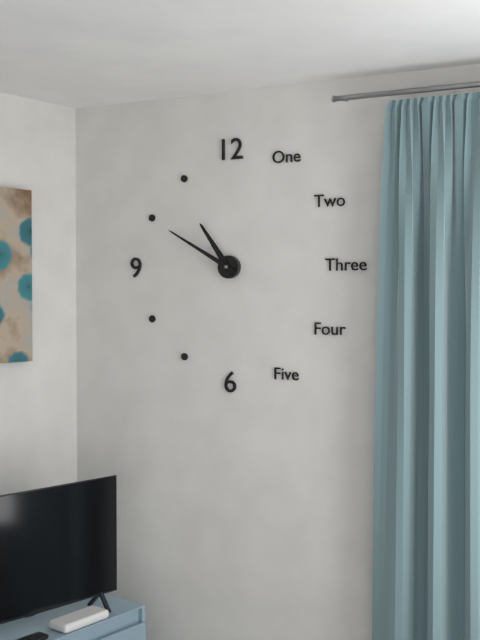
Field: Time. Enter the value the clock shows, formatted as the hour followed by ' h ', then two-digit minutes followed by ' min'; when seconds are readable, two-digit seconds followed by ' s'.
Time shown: 10 h 50 min
